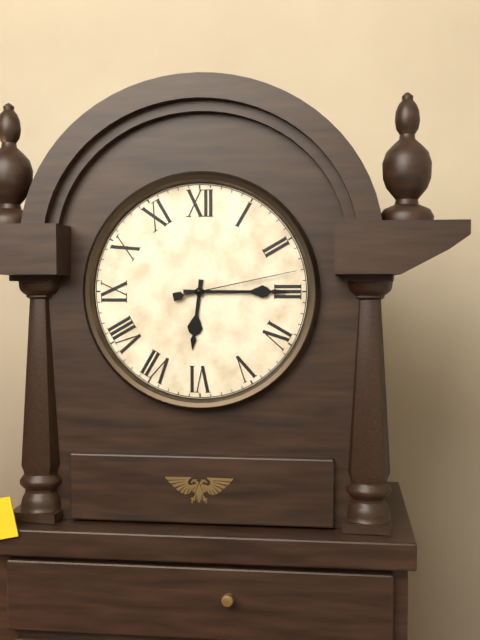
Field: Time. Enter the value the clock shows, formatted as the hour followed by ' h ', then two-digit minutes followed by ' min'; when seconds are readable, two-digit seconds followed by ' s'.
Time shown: 6 h 15 min 13 s
